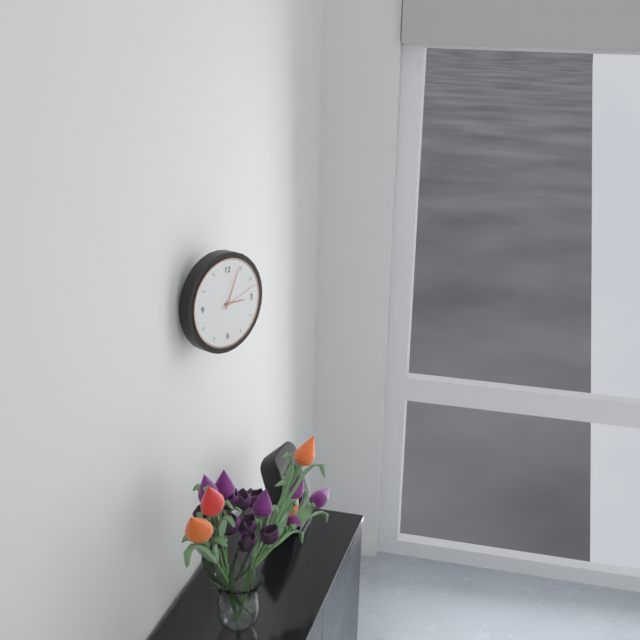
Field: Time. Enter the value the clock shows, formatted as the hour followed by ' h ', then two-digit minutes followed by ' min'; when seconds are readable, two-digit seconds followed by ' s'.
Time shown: 3 h 04 min
